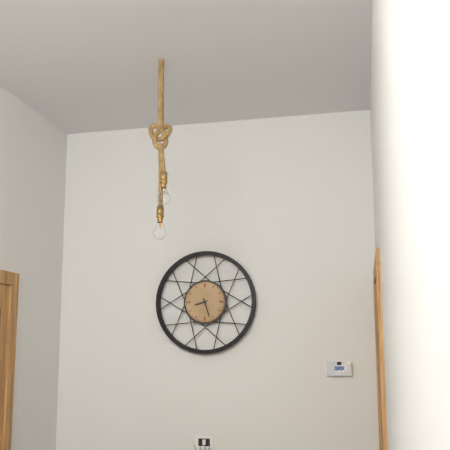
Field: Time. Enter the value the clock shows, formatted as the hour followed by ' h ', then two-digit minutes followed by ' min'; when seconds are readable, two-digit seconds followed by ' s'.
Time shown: 8 h 27 min
